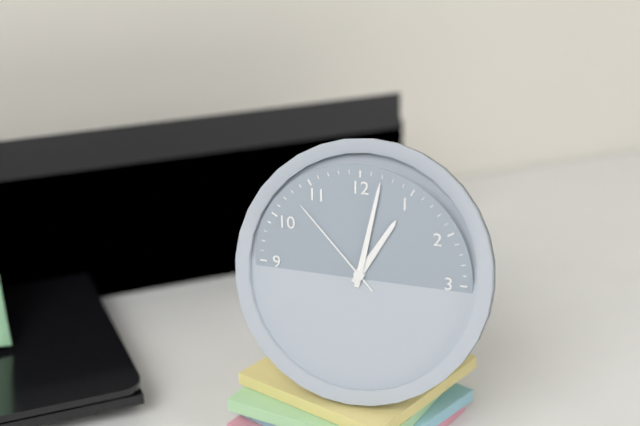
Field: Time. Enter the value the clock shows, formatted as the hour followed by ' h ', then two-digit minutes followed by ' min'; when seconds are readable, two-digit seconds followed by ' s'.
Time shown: 1 h 02 min 53 s
